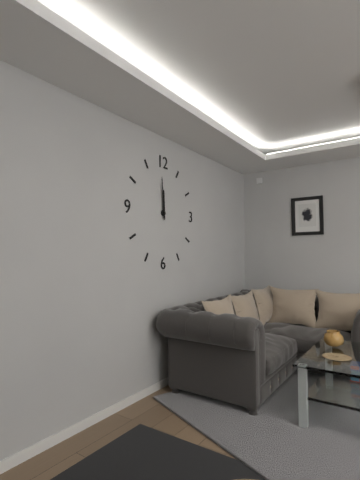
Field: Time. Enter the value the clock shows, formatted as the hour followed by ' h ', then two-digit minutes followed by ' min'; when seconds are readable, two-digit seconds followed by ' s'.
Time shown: 11 h 59 min
